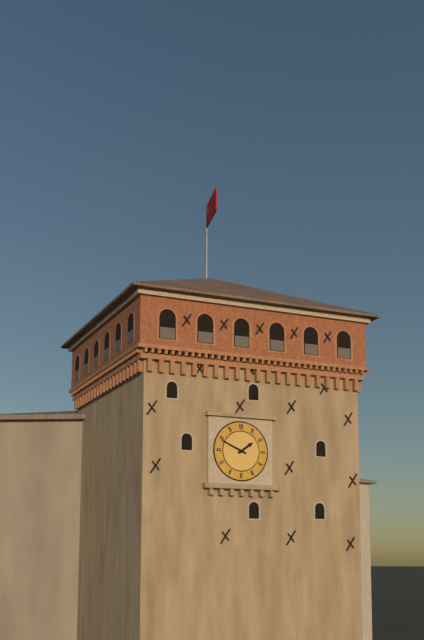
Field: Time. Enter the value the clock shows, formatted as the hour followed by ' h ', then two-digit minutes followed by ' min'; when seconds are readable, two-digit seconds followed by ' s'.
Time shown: 1 h 49 min
